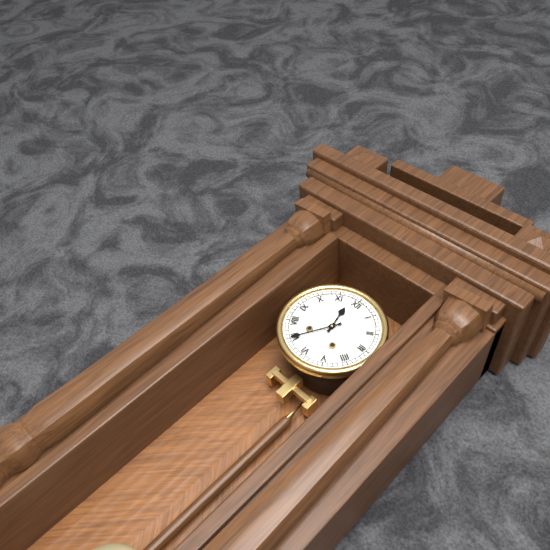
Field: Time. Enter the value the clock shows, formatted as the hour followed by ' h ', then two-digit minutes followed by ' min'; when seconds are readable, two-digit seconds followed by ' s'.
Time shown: 11 h 35 min
